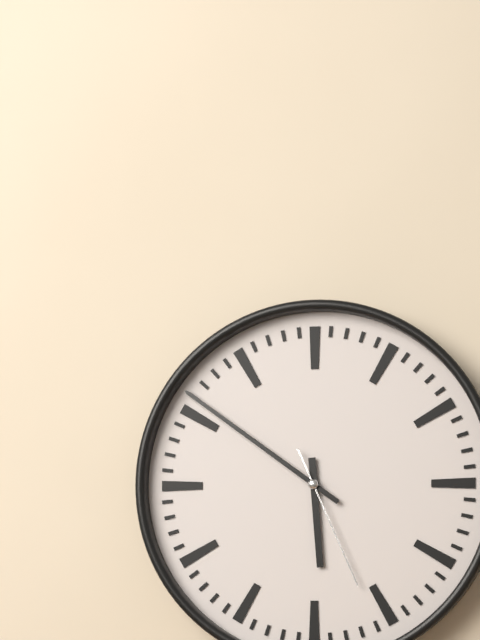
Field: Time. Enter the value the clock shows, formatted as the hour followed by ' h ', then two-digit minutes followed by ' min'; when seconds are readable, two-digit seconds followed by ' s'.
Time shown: 5 h 51 min 26 s
